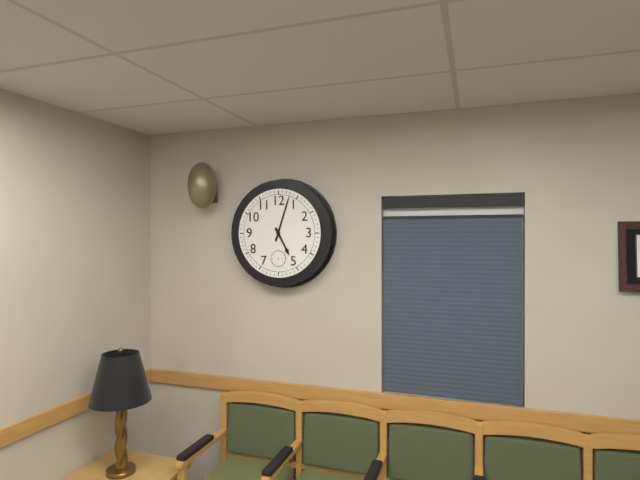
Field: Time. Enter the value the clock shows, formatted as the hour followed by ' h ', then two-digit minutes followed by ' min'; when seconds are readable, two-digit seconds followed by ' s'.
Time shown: 5 h 03 min
